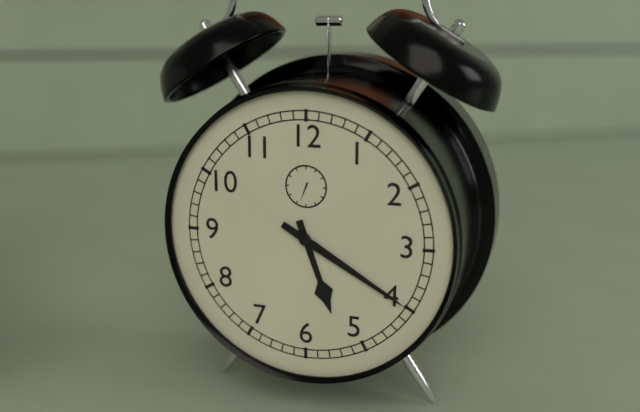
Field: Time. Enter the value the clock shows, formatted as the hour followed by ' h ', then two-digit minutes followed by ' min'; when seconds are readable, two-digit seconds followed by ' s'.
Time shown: 5 h 20 min
